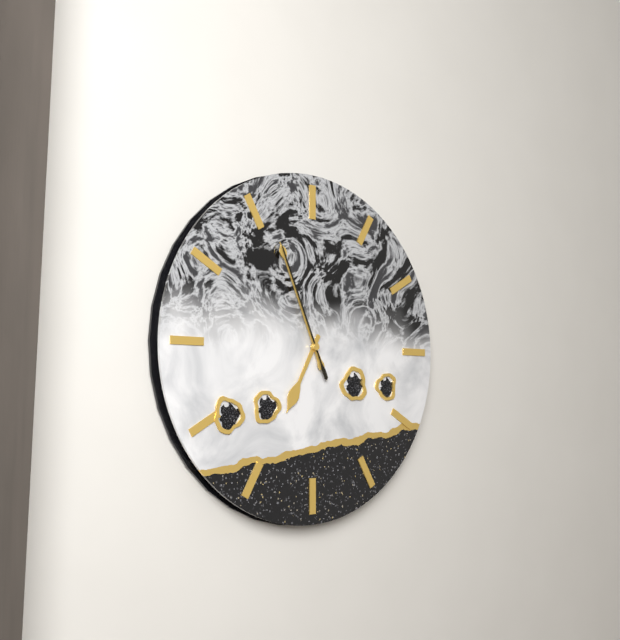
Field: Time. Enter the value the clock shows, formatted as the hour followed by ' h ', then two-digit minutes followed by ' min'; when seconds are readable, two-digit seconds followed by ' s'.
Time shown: 6 h 56 min 56 s
